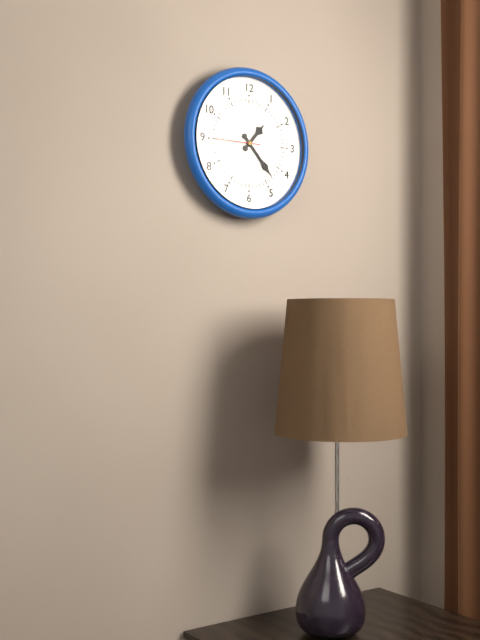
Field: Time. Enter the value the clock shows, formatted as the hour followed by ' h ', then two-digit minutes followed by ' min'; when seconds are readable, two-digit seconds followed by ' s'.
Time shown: 1 h 23 min
